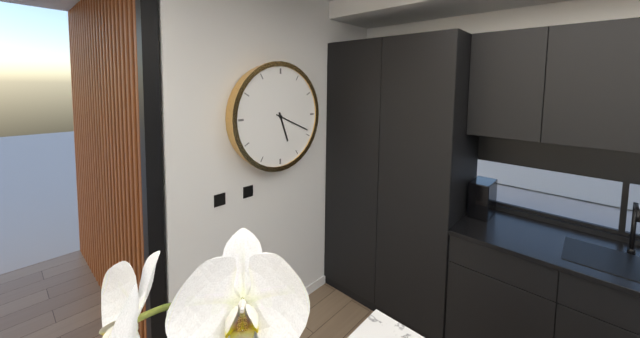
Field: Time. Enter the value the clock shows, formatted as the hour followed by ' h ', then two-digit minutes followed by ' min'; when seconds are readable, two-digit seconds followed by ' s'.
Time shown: 5 h 19 min
